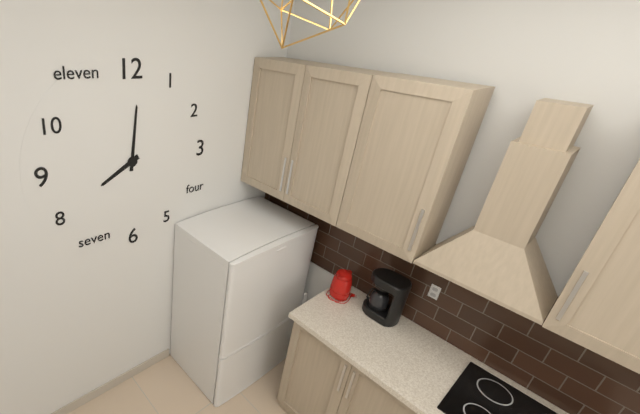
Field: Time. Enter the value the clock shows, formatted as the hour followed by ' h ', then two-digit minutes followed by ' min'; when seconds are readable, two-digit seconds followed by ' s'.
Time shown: 8 h 01 min
